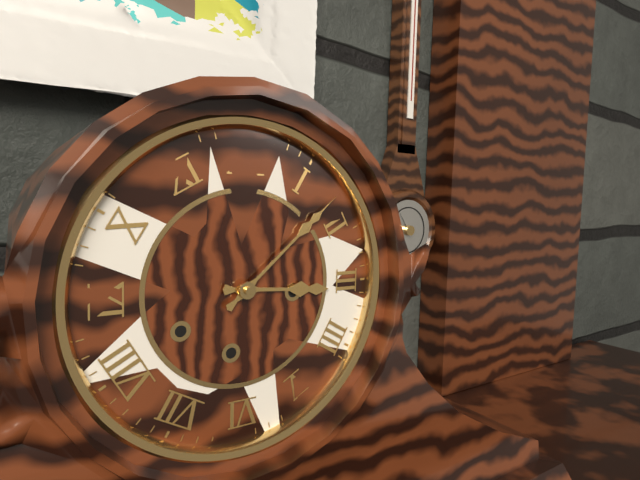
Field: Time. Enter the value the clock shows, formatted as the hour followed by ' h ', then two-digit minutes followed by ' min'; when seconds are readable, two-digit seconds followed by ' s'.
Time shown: 3 h 08 min
